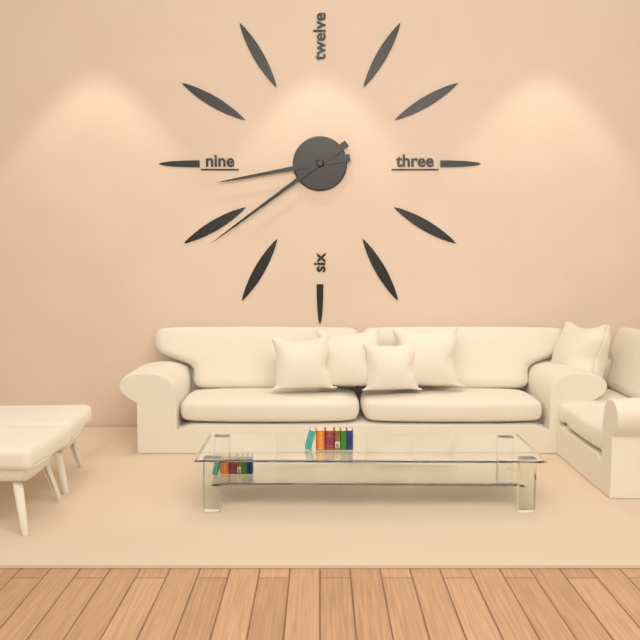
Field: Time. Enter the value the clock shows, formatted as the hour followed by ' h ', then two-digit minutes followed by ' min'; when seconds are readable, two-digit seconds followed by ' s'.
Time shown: 8 h 39 min
